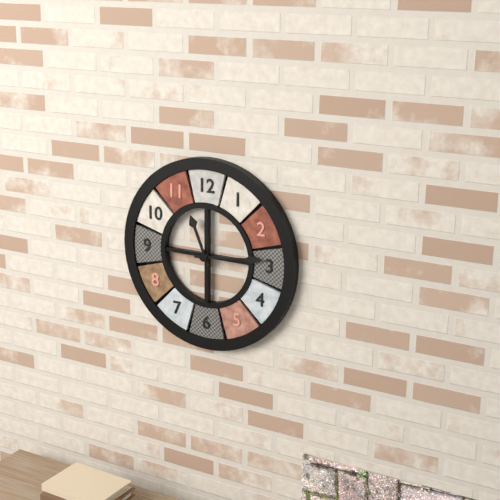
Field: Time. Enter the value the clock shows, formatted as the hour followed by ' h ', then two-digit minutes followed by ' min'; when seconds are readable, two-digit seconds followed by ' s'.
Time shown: 11 h 14 min
